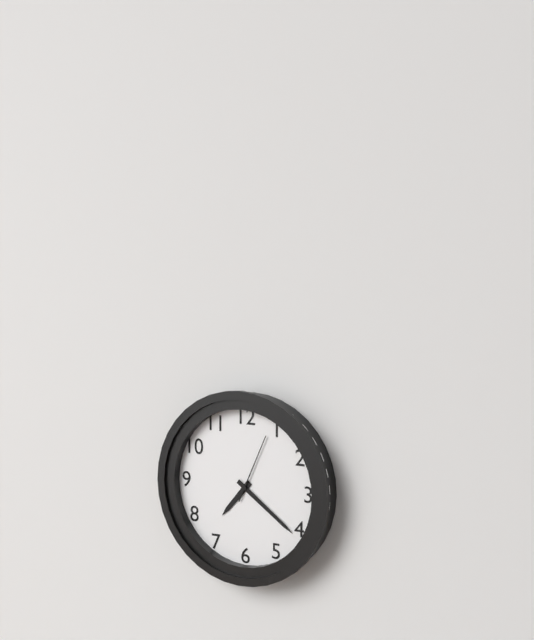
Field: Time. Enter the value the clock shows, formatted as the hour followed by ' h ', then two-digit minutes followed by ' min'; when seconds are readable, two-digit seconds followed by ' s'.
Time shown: 7 h 21 min 04 s
